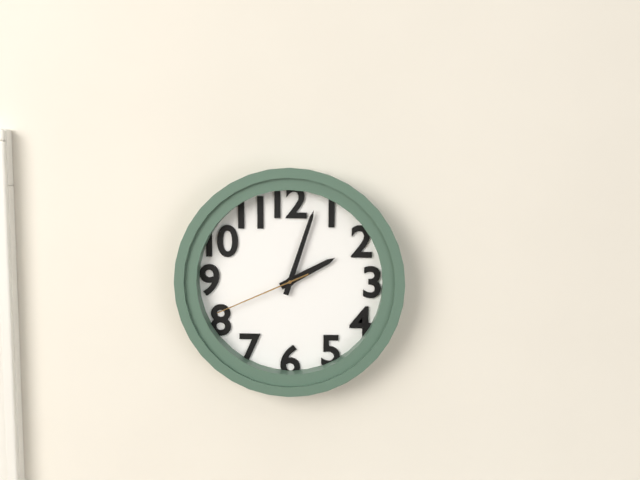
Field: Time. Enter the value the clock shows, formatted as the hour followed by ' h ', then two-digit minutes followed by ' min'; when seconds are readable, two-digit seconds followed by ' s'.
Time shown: 2 h 03 min 41 s
